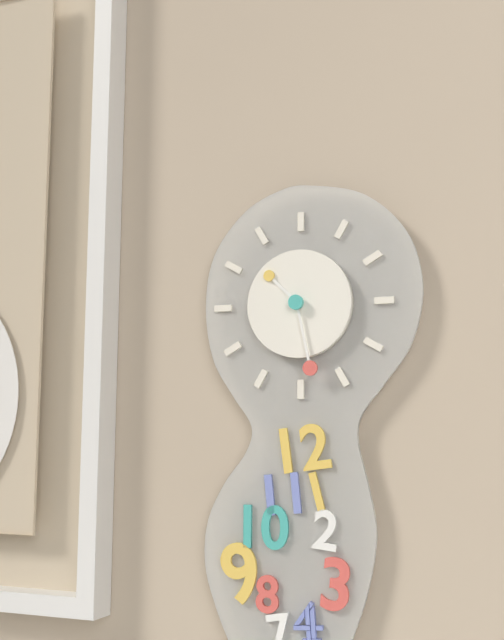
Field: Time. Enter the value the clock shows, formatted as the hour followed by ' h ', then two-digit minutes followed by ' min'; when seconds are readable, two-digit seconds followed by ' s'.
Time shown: 10 h 28 min
